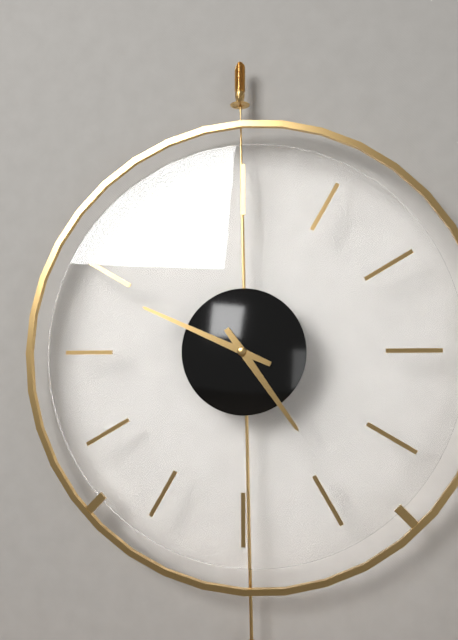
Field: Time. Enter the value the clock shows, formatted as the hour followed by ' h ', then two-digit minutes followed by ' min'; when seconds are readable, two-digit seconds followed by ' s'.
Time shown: 4 h 49 min
